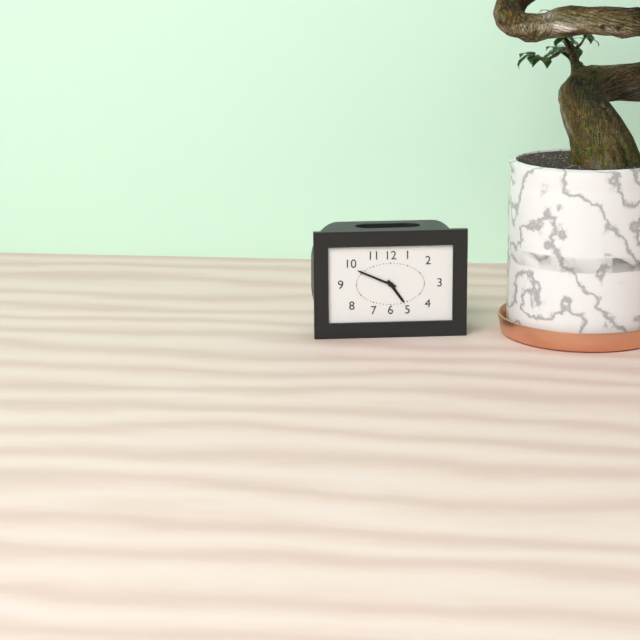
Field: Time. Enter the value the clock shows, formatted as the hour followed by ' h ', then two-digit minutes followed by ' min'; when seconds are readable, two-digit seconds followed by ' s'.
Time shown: 4 h 49 min
